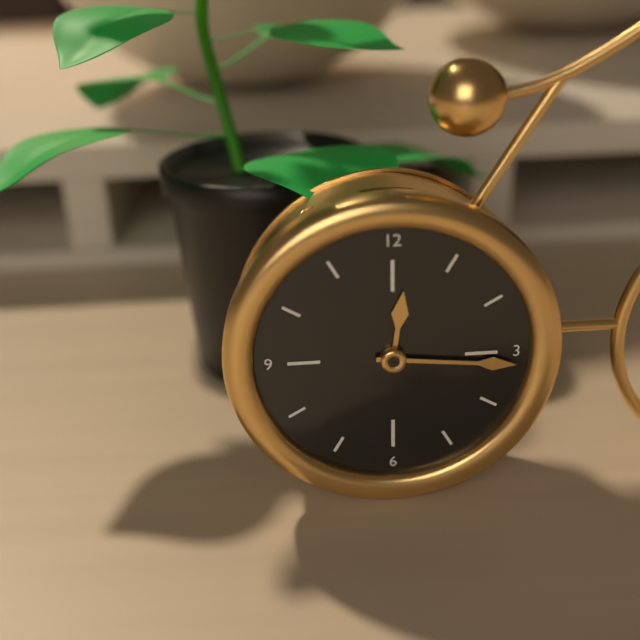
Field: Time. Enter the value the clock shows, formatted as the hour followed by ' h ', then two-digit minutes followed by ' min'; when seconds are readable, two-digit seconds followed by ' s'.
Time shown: 12 h 16 min
